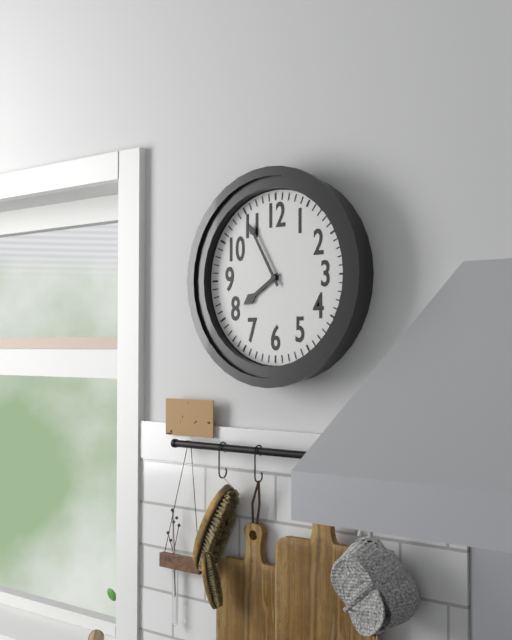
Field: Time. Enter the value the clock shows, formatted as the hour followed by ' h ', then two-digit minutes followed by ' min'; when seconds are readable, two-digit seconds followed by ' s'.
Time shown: 7 h 55 min
